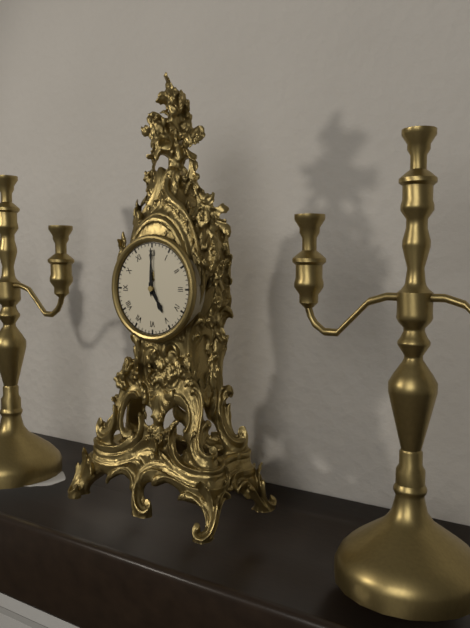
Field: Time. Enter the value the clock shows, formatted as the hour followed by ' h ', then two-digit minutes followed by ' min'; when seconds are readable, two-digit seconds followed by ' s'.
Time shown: 5 h 00 min
